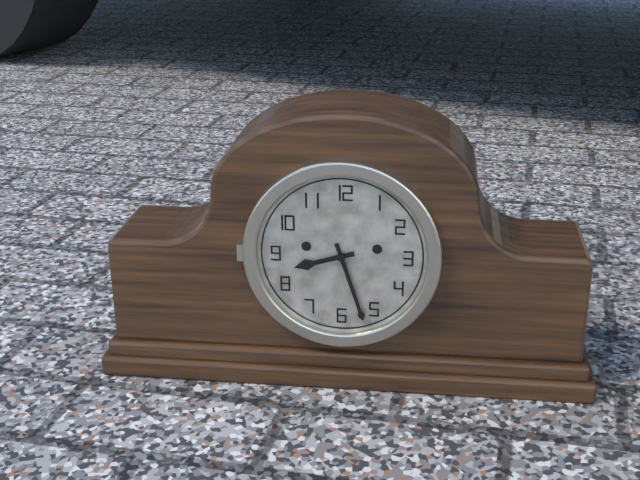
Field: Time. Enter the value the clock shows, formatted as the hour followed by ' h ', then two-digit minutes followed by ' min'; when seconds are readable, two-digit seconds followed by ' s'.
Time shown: 8 h 27 min
